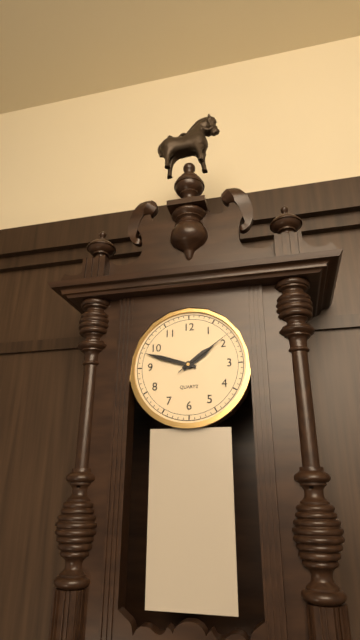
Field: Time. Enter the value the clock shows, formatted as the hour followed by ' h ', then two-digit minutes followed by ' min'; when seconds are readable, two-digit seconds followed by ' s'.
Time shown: 1 h 48 min 09 s
